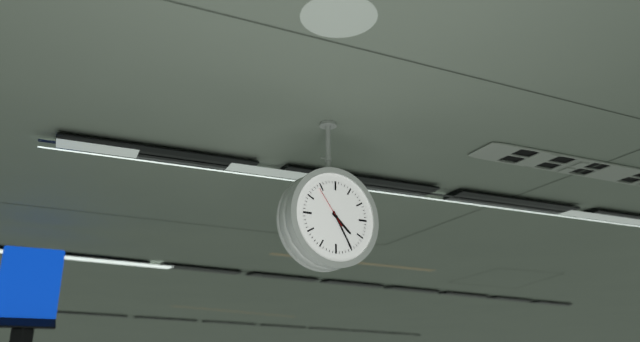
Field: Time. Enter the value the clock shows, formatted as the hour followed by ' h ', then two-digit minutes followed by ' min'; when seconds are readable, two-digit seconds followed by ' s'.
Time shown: 4 h 25 min
